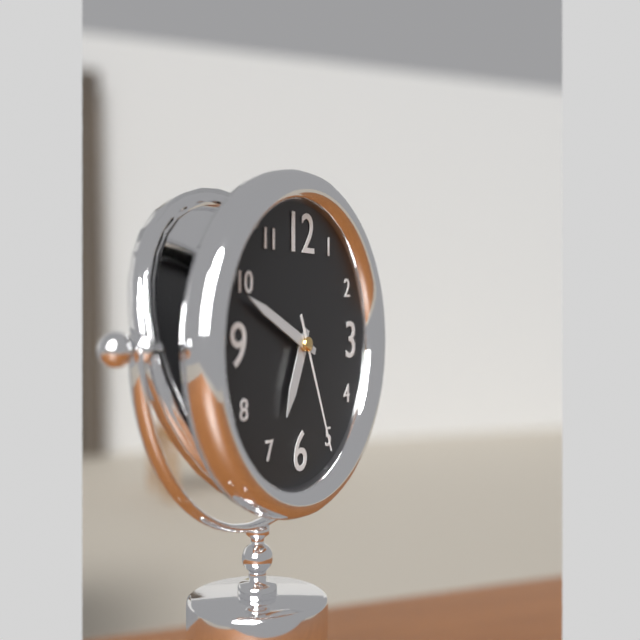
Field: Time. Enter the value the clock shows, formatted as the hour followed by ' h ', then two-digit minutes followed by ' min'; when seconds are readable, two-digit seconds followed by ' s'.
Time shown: 6 h 49 min 26 s
